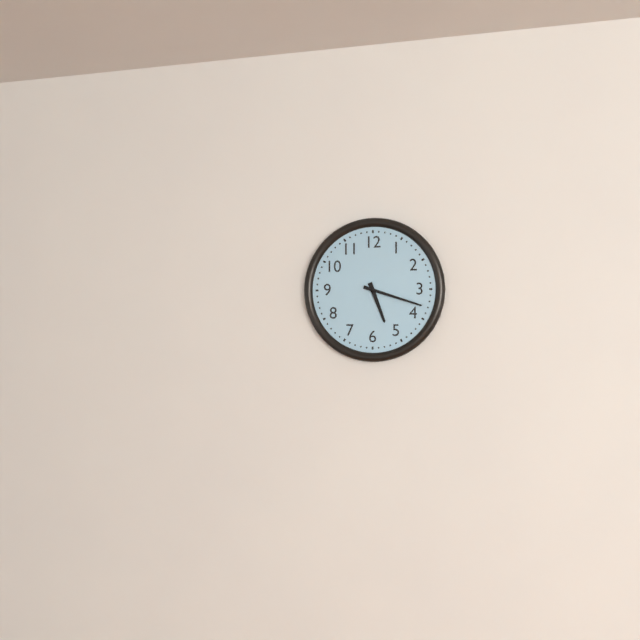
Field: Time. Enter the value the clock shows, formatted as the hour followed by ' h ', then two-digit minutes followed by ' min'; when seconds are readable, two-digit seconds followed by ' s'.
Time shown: 5 h 18 min
